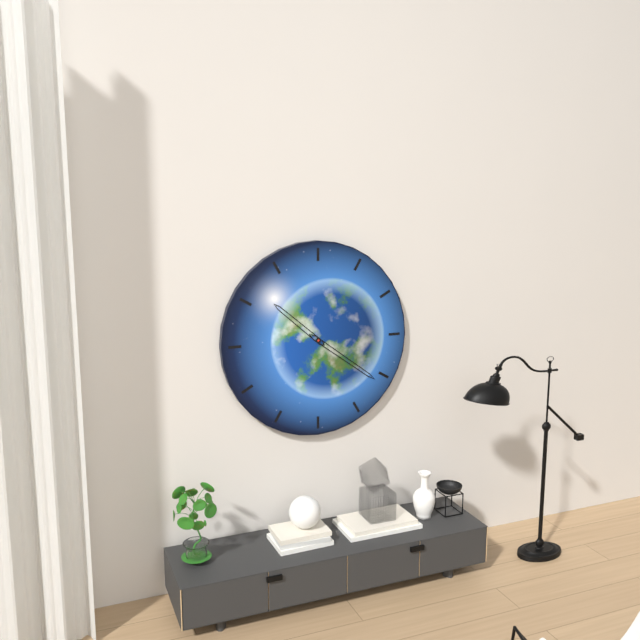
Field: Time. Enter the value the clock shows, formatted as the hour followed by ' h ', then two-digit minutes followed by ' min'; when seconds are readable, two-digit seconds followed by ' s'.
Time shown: 10 h 21 min
